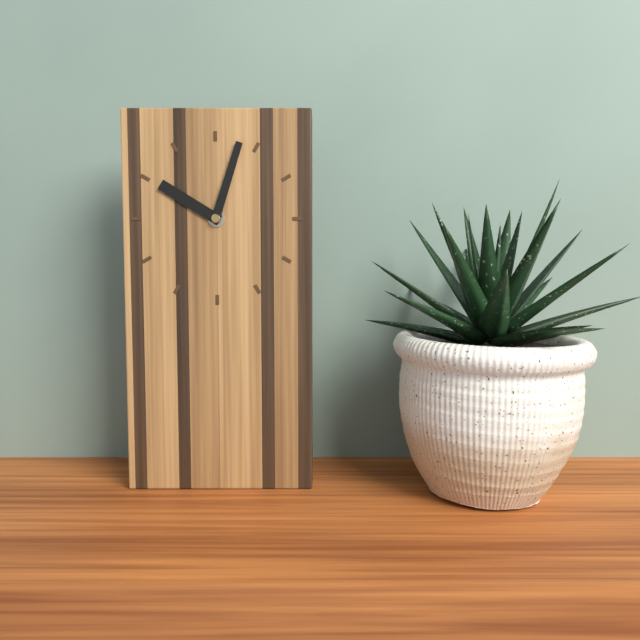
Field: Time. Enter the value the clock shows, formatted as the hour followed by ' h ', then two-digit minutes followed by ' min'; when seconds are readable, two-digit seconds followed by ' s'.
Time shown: 10 h 03 min
